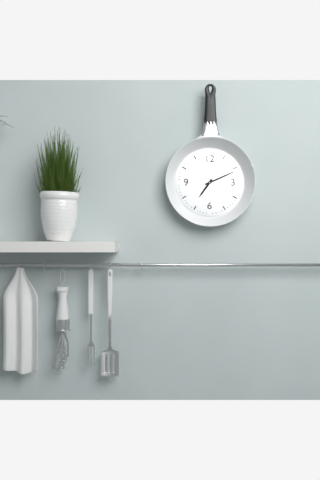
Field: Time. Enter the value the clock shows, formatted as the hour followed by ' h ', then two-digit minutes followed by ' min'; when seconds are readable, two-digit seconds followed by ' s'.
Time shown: 7 h 11 min
